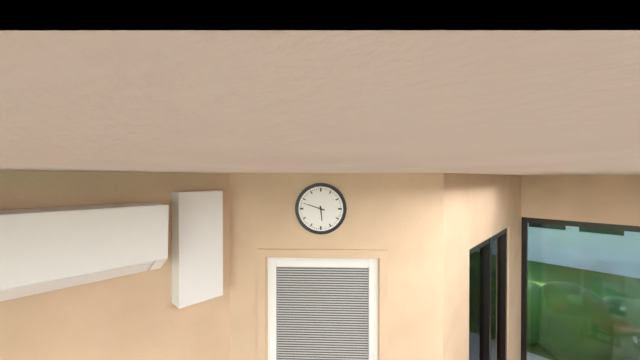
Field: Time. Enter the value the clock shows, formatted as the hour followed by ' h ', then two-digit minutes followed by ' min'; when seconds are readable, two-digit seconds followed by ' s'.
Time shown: 5 h 48 min
